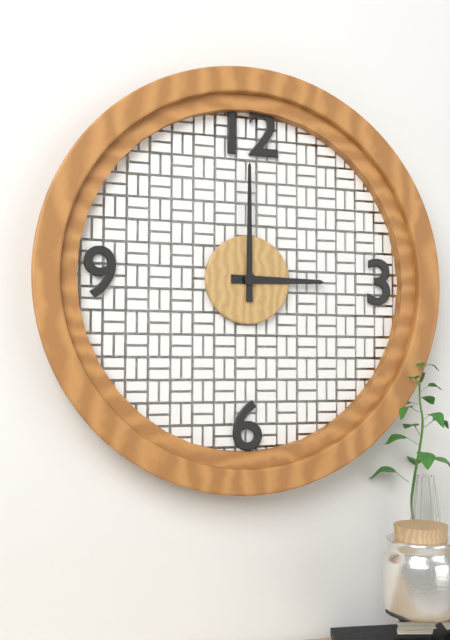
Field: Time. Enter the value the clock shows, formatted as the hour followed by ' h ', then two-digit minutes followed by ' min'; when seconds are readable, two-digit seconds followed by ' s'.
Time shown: 3 h 00 min
